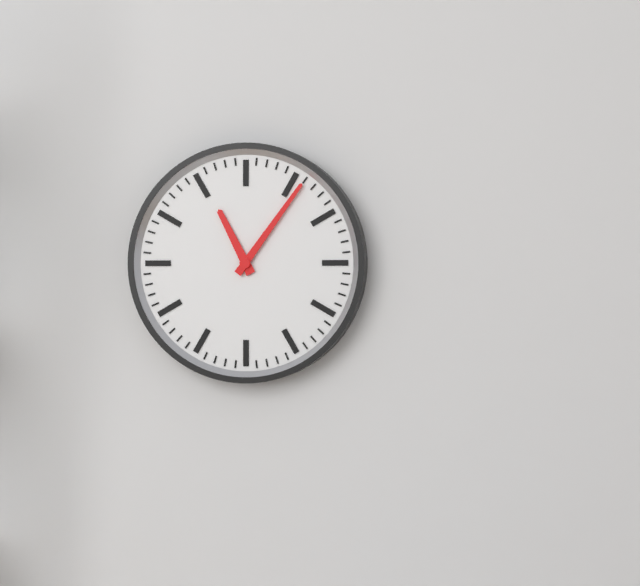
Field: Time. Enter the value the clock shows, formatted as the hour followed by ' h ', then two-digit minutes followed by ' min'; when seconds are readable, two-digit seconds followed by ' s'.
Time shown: 11 h 06 min
